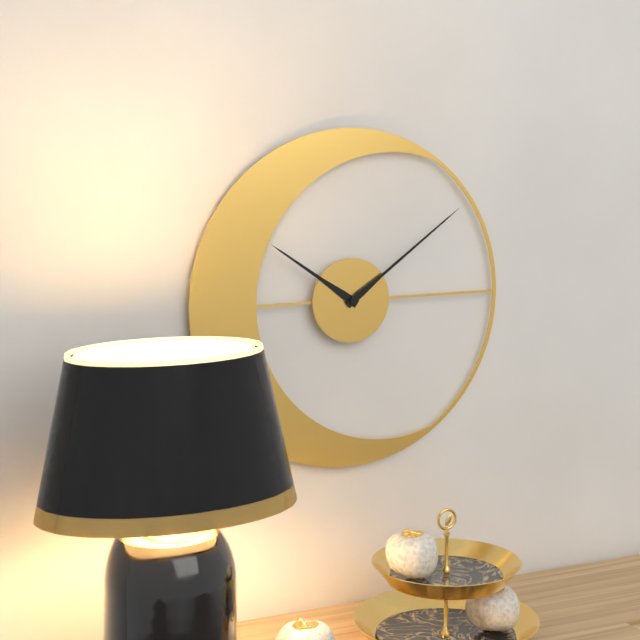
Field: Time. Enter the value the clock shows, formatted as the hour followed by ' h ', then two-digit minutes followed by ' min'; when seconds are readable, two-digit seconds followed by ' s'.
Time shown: 10 h 09 min
